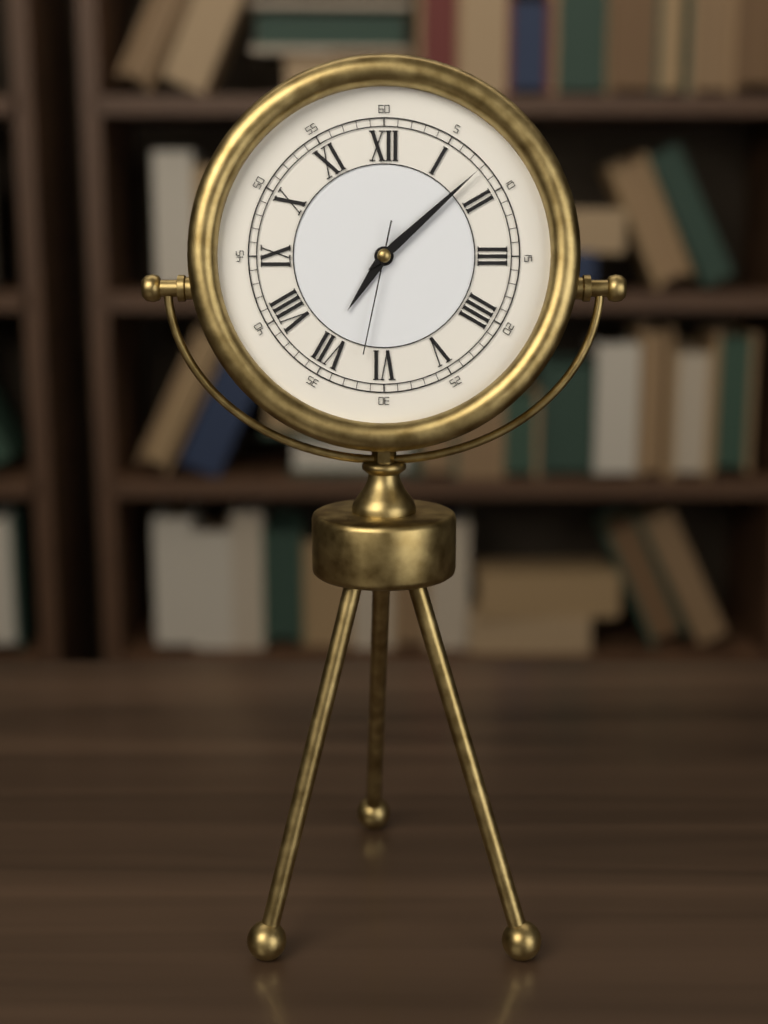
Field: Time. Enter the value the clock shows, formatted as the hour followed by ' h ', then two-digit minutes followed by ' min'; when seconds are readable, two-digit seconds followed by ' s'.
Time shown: 7 h 08 min 32 s
